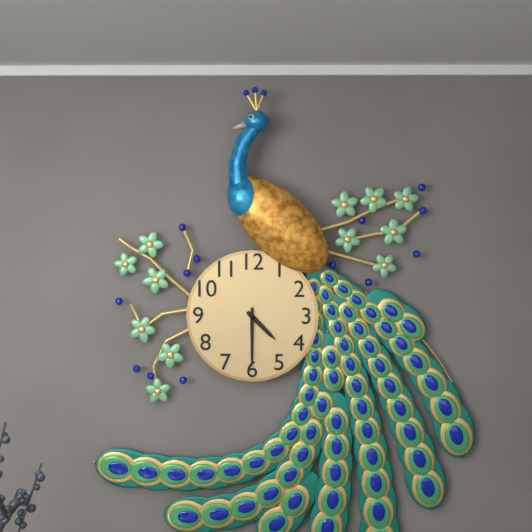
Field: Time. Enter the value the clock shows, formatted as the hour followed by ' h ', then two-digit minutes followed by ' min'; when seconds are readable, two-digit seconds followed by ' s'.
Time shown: 4 h 30 min
